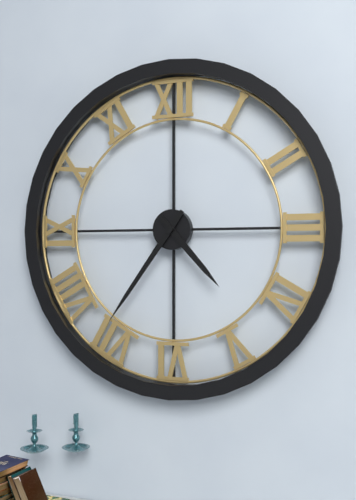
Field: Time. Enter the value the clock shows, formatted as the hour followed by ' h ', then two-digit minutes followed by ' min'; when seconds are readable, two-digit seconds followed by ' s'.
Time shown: 4 h 36 min
